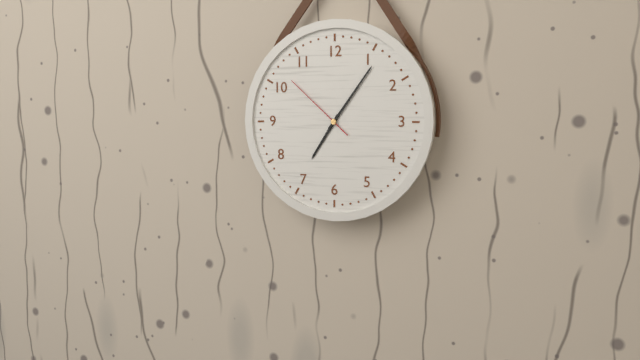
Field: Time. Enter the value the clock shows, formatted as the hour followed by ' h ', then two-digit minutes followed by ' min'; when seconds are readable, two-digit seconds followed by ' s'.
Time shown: 7 h 06 min 52 s
